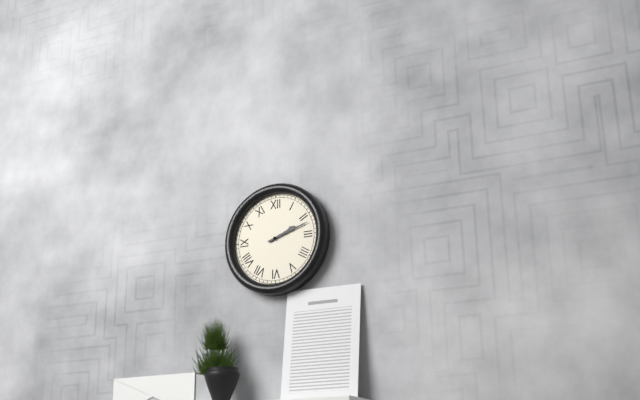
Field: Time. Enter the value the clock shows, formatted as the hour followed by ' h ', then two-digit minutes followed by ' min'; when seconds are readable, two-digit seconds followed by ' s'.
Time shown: 2 h 12 min
